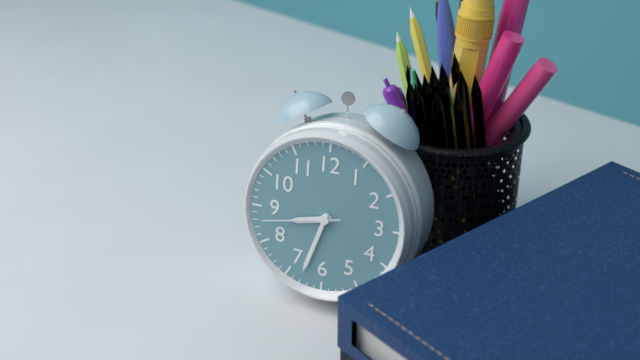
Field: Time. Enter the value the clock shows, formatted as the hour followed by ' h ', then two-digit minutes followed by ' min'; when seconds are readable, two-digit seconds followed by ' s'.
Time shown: 8 h 33 min 43 s
